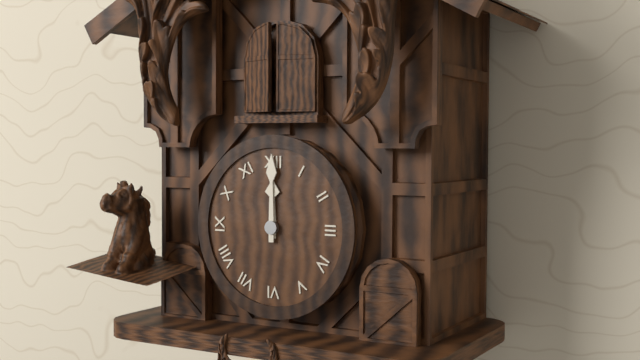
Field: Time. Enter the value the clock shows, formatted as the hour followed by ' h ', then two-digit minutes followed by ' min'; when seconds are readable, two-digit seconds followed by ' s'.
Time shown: 12 h 00 min
